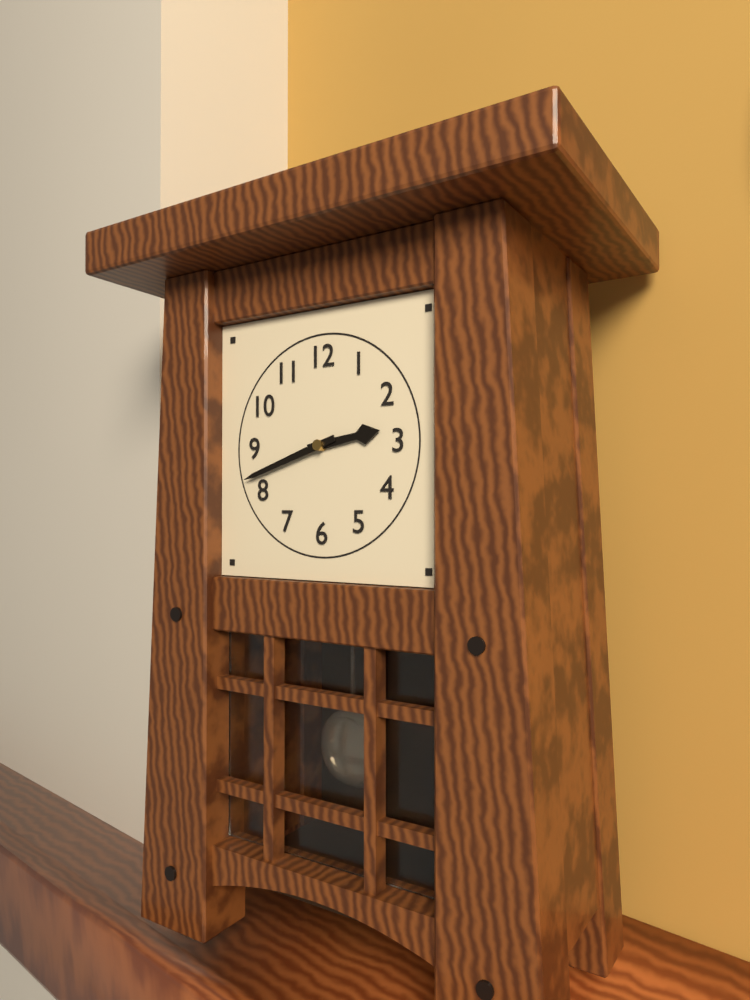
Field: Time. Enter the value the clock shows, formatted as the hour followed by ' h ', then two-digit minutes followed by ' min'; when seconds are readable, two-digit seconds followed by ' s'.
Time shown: 2 h 42 min
